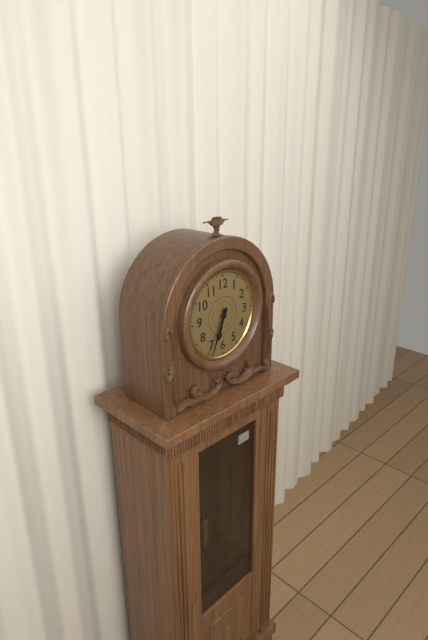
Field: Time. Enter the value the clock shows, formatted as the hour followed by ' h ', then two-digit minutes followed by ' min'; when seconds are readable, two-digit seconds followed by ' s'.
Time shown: 6 h 34 min
